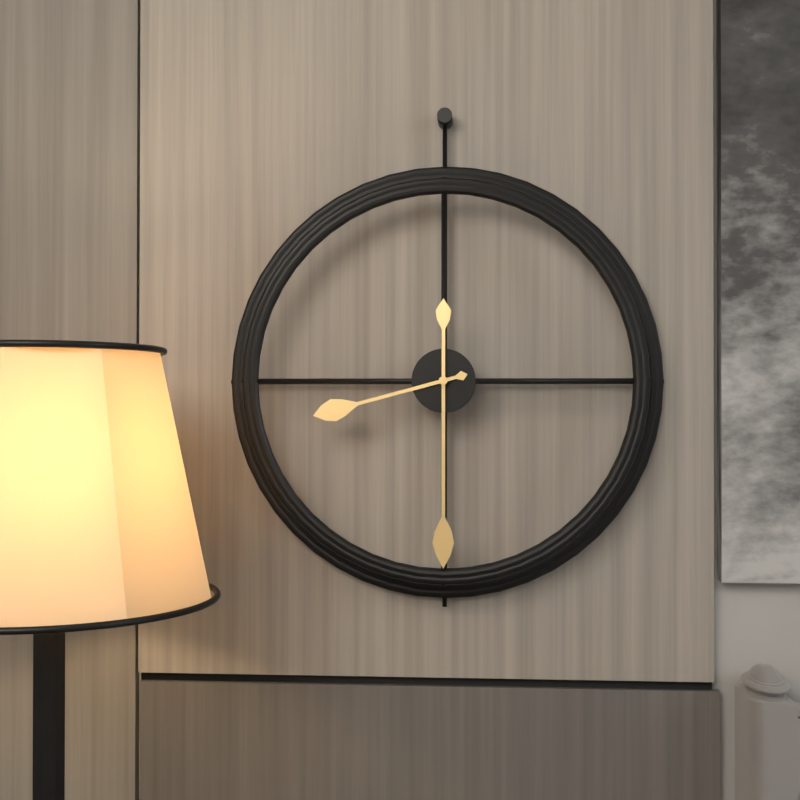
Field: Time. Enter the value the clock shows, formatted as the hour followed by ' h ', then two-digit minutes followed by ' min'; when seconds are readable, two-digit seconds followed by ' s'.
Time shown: 8 h 30 min
